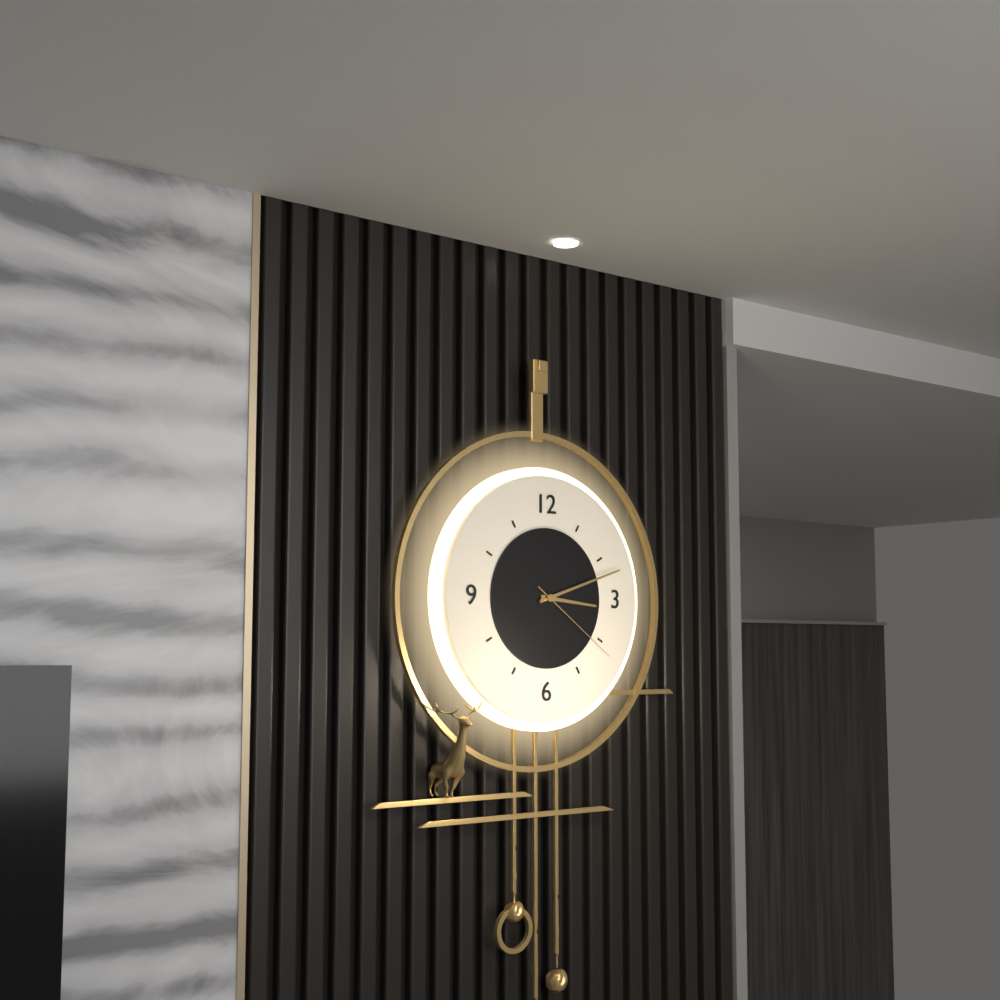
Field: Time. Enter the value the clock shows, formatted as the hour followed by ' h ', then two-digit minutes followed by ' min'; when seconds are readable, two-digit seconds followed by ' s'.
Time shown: 3 h 12 min 21 s
